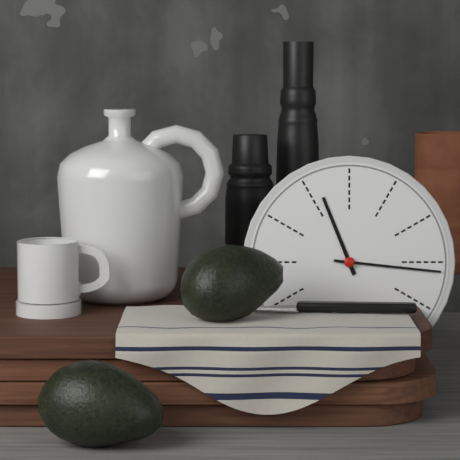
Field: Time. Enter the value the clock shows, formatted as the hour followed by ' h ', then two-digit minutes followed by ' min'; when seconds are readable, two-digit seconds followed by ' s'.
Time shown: 11 h 16 min
